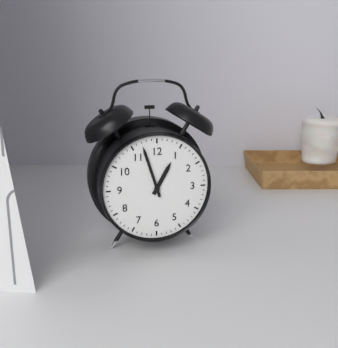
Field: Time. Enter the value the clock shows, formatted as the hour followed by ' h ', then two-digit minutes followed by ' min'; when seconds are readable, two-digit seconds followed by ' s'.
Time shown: 12 h 57 min
